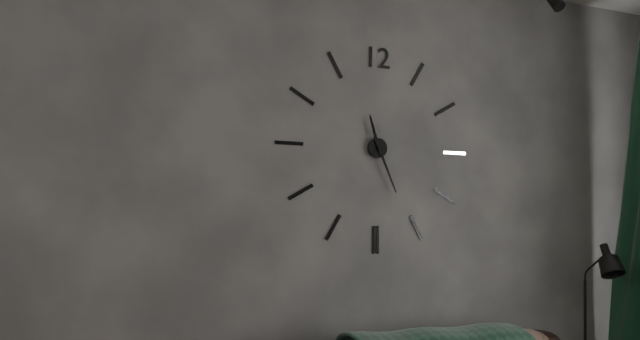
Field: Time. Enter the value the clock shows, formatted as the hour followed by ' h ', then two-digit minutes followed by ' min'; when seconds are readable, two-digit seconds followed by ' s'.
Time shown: 11 h 26 min
